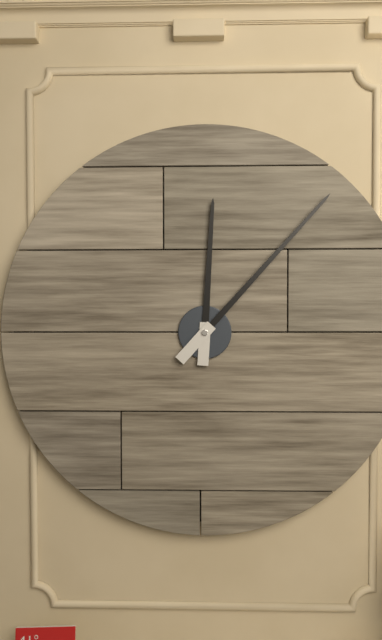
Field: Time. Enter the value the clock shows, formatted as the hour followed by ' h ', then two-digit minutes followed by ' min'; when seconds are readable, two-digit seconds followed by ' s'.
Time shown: 12 h 07 min
